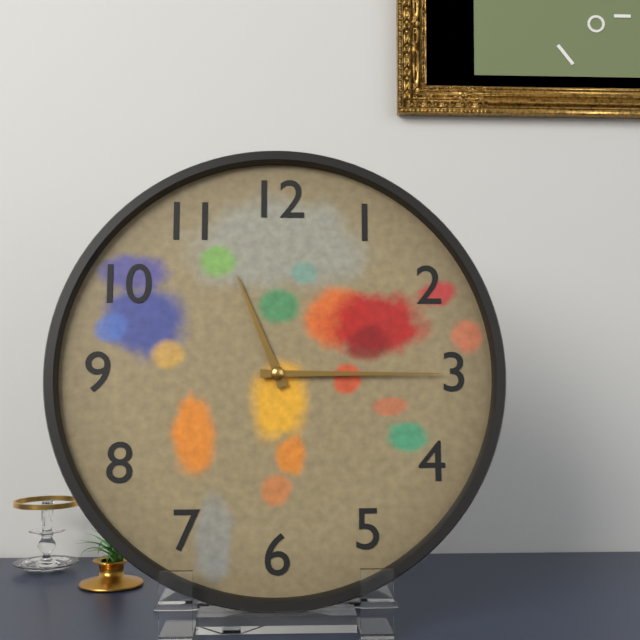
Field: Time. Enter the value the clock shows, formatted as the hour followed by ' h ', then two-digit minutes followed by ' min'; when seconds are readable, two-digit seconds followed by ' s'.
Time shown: 11 h 15 min
